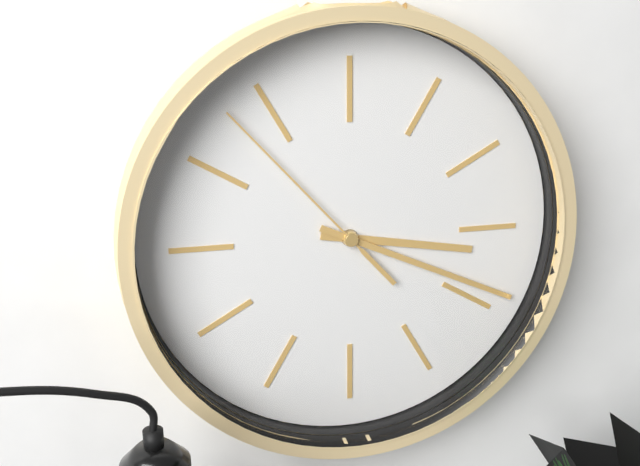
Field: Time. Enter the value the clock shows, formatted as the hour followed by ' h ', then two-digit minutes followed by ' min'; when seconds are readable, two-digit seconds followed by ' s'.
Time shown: 3 h 19 min 53 s
